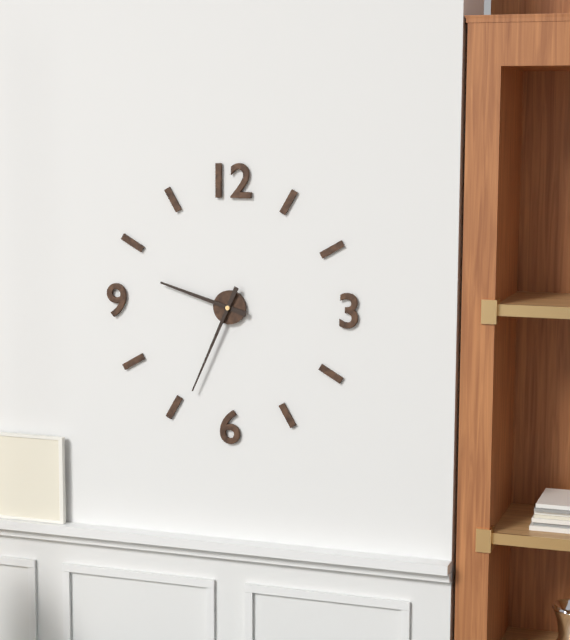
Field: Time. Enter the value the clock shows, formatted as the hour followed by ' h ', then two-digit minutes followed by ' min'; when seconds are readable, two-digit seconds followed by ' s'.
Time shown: 9 h 34 min
